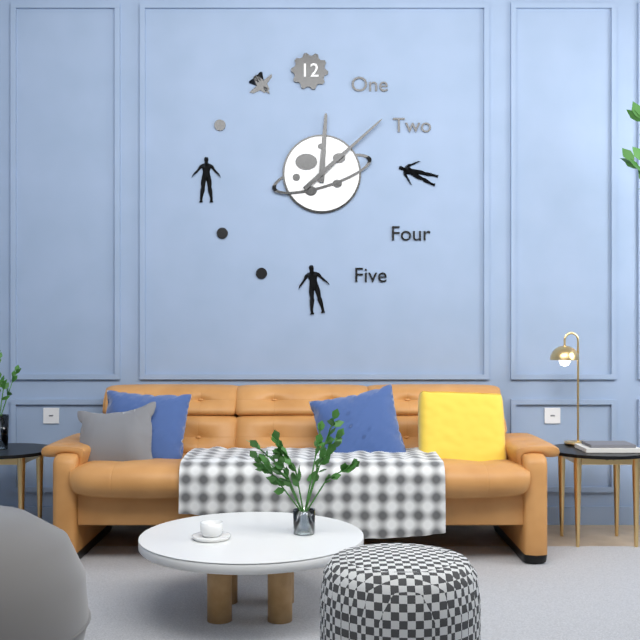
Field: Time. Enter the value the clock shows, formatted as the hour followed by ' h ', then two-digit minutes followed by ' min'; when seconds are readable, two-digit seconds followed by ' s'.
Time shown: 12 h 08 min
